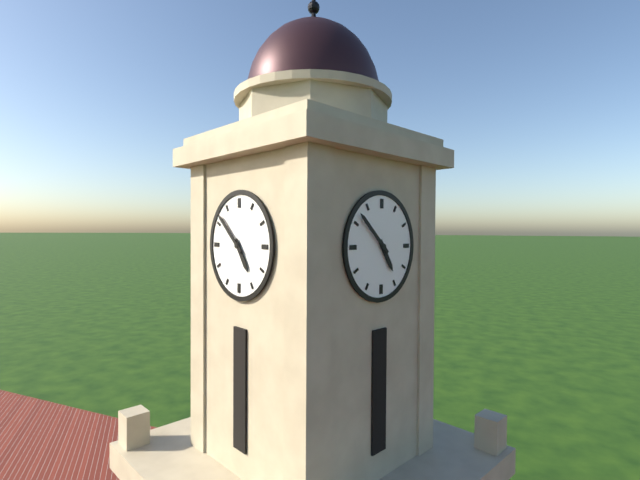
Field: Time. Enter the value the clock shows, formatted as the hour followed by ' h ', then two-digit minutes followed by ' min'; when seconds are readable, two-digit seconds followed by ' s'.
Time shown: 4 h 52 min
